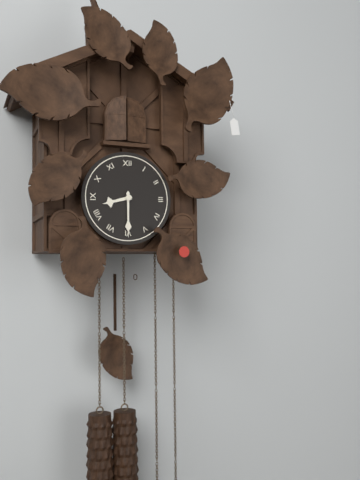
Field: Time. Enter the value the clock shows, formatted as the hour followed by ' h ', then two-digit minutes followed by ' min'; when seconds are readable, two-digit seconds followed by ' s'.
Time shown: 8 h 30 min
